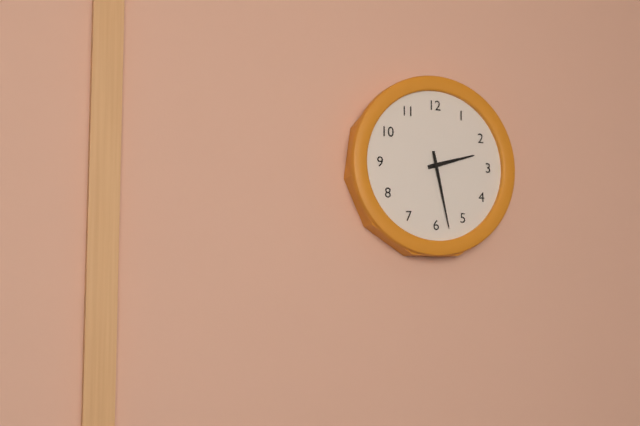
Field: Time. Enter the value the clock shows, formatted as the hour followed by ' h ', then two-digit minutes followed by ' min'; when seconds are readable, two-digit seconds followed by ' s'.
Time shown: 2 h 28 min
